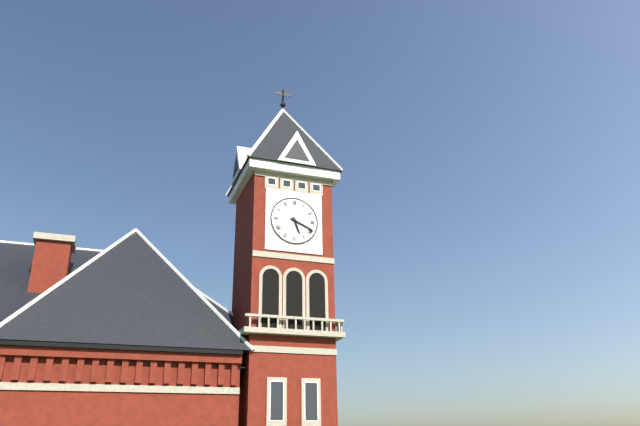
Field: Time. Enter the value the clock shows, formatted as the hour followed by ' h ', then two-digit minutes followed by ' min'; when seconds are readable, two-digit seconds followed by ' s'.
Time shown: 5 h 19 min
